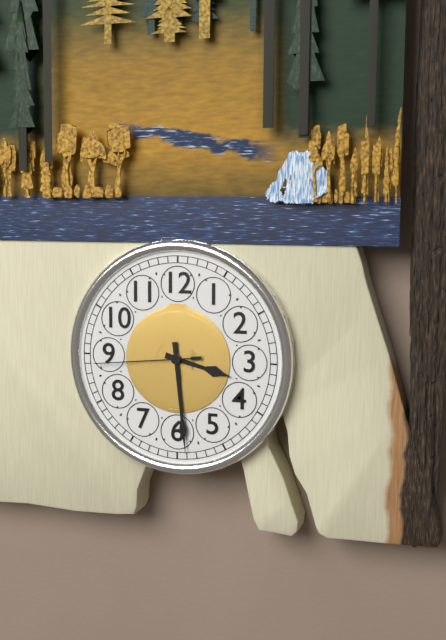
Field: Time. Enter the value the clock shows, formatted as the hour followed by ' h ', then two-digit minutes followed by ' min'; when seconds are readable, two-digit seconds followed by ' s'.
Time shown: 3 h 29 min 44 s
